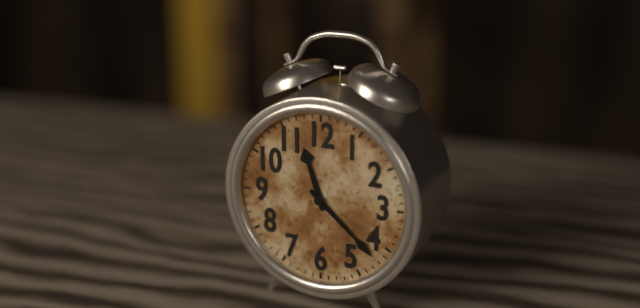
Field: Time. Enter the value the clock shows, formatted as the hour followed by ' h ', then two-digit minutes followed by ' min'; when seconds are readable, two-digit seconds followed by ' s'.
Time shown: 11 h 22 min
